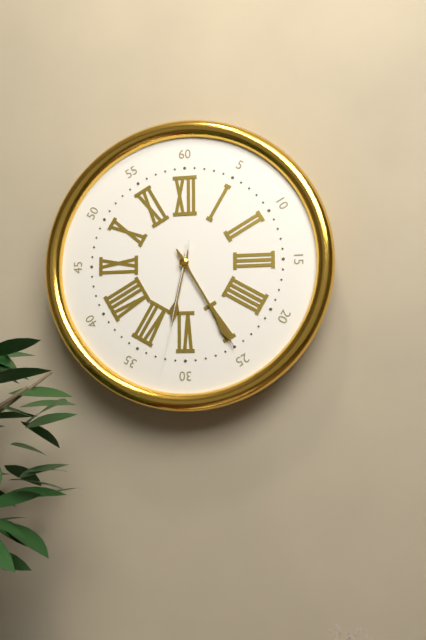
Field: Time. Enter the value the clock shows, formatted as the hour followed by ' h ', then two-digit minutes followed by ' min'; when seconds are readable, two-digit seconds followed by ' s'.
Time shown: 6 h 25 min 32 s
